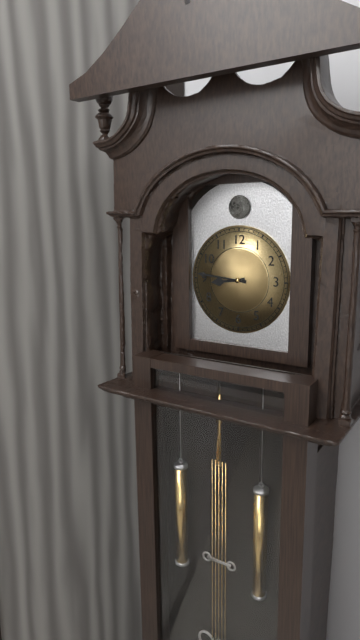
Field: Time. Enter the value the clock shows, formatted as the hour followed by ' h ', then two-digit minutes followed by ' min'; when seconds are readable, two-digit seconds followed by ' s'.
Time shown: 8 h 46 min
